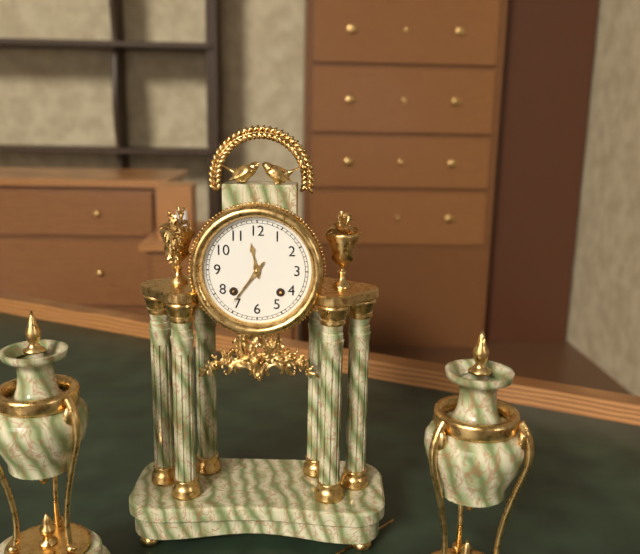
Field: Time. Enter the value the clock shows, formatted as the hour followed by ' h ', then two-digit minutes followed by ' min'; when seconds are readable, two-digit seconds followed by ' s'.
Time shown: 11 h 36 min
